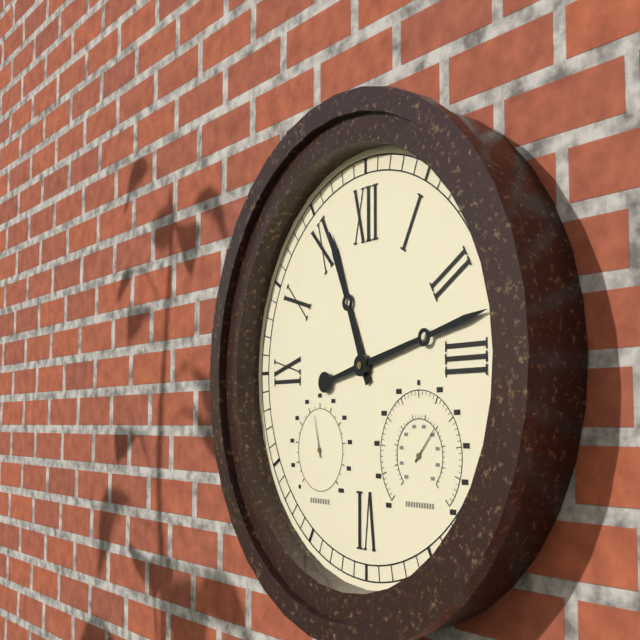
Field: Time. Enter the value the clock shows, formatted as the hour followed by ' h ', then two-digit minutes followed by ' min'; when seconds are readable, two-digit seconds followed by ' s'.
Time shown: 11 h 13 min
